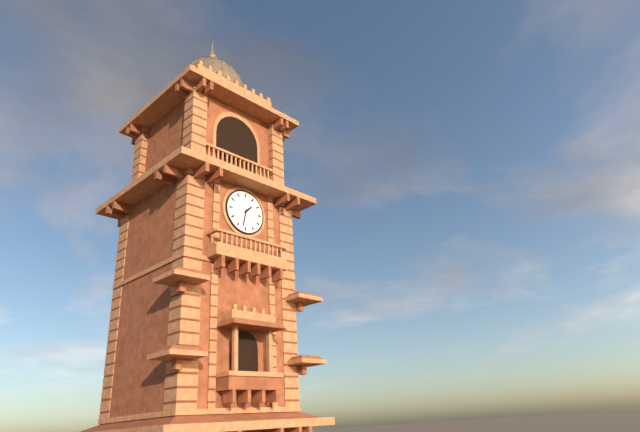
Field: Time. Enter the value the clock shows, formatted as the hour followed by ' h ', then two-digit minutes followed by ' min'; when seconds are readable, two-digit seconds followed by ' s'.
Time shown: 1 h 32 min
